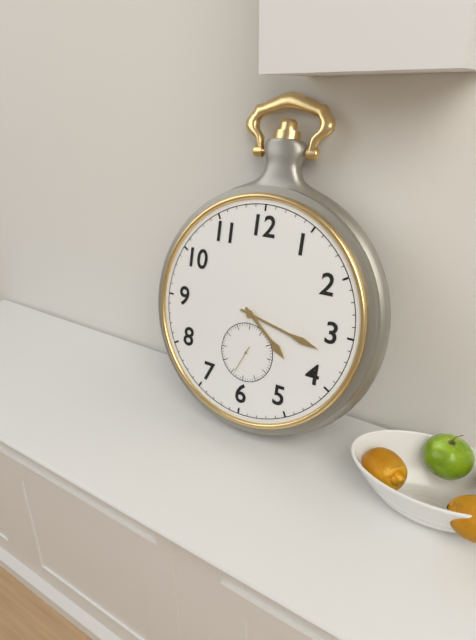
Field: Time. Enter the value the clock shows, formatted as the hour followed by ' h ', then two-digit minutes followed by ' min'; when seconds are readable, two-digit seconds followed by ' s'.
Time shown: 4 h 17 min
